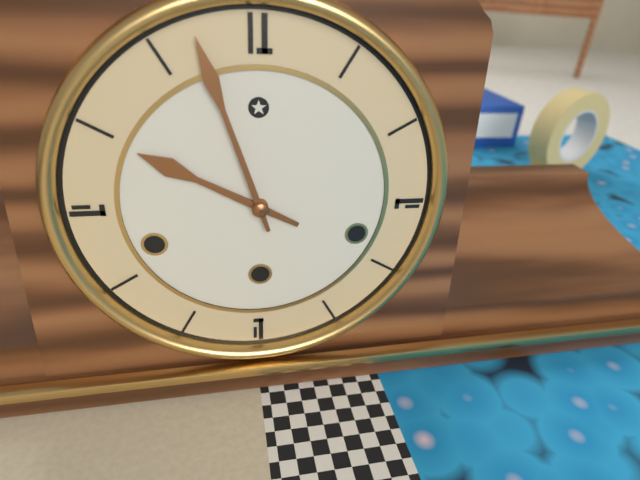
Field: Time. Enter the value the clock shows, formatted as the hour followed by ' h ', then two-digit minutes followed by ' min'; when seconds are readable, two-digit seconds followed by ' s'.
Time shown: 9 h 57 min
